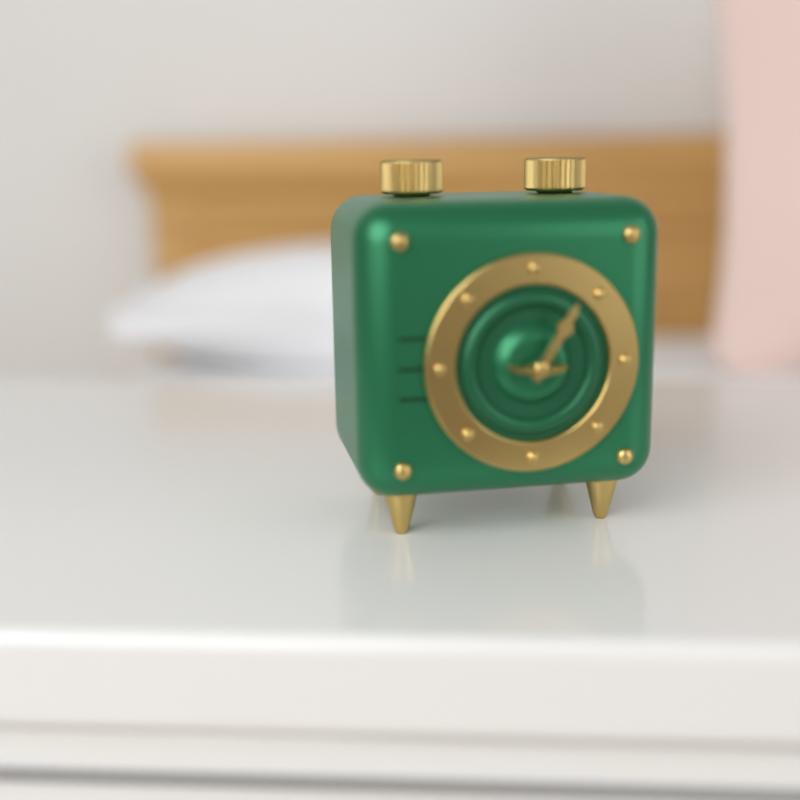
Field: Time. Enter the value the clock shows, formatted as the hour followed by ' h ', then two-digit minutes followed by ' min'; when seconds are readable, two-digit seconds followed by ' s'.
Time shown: 1 h 05 min
